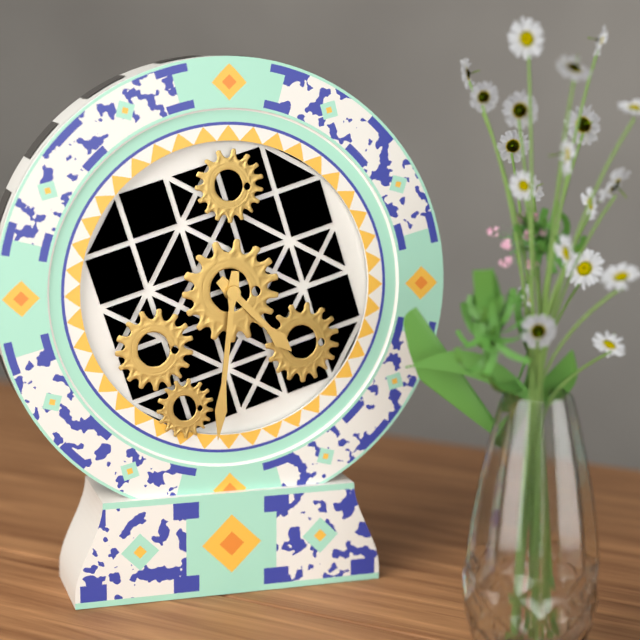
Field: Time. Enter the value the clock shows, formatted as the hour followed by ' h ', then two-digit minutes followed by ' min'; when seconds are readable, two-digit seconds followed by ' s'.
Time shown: 4 h 31 min
